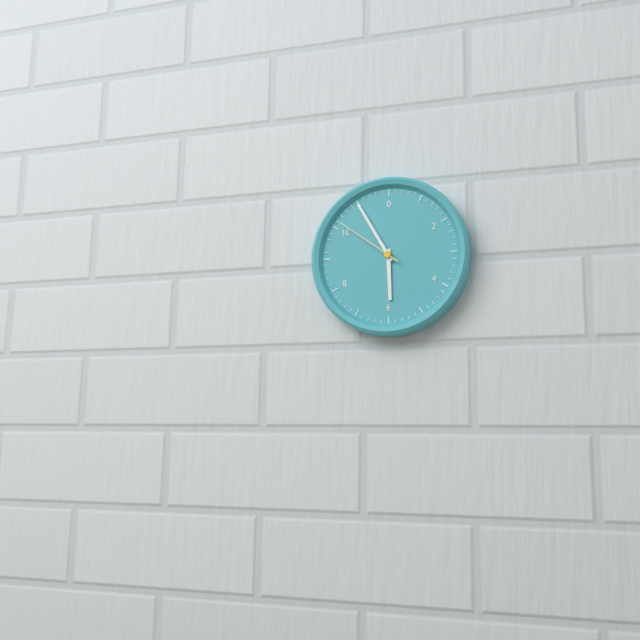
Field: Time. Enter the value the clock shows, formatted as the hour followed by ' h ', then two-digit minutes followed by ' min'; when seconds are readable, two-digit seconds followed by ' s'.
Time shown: 5 h 55 min 51 s
